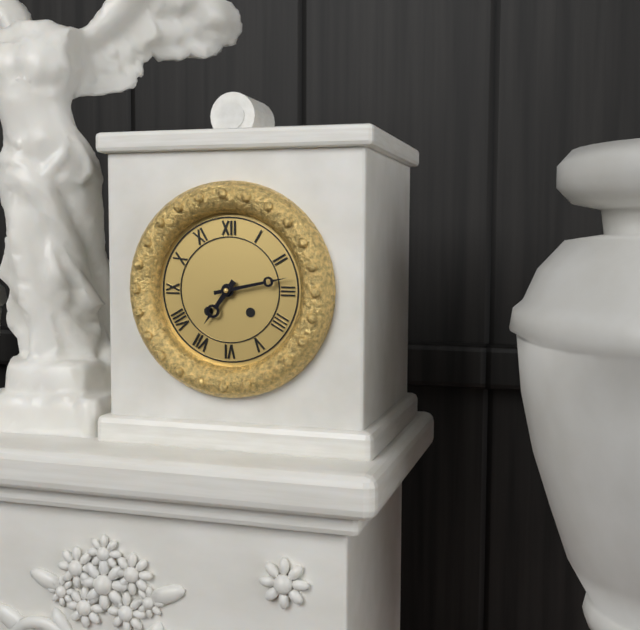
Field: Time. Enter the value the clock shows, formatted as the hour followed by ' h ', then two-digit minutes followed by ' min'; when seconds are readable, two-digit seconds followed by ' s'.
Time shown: 7 h 13 min
